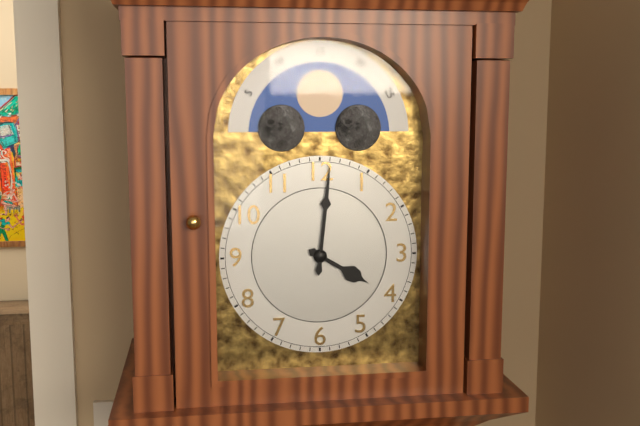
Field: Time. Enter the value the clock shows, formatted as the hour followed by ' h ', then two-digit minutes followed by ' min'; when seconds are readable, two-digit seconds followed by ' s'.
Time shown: 4 h 01 min
